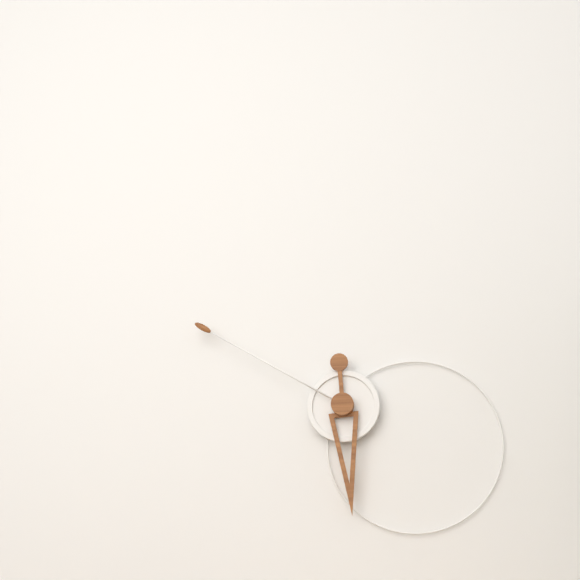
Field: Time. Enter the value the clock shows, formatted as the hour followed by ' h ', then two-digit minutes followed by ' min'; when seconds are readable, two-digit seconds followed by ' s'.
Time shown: 5 h 50 min
